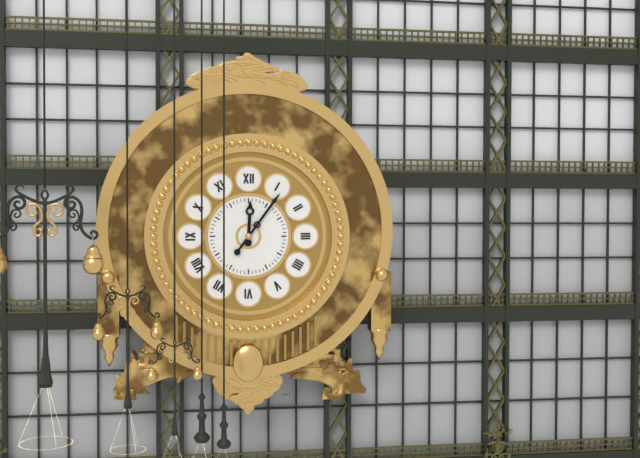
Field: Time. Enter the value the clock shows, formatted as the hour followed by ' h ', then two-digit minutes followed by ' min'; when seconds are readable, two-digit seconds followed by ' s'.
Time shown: 12 h 06 min
